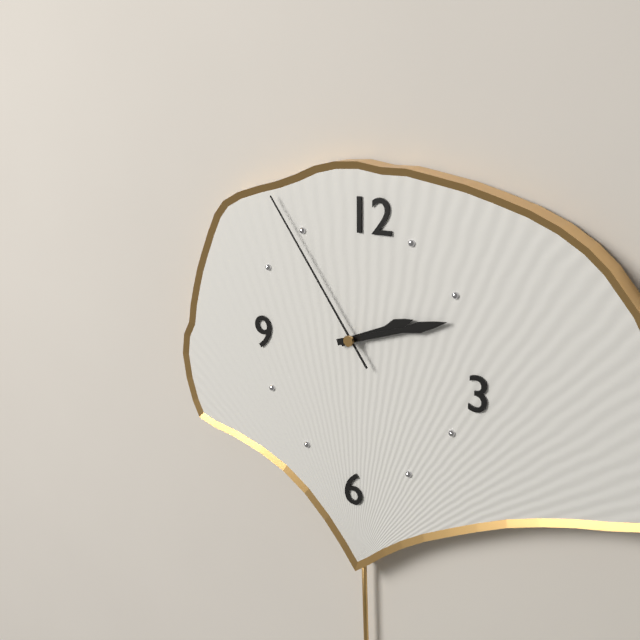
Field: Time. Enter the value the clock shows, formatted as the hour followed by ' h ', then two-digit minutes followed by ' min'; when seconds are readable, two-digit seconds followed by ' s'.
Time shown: 2 h 12 min 54 s
